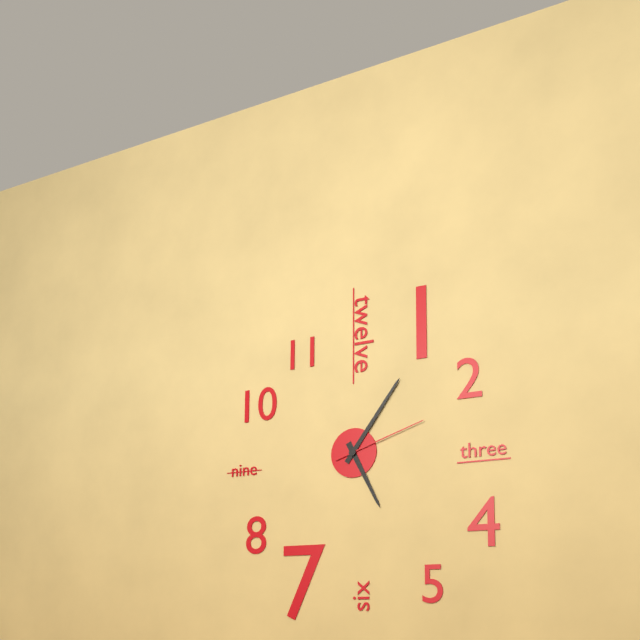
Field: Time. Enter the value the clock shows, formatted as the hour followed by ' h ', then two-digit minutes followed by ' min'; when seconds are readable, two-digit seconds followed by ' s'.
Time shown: 5 h 06 min 12 s
